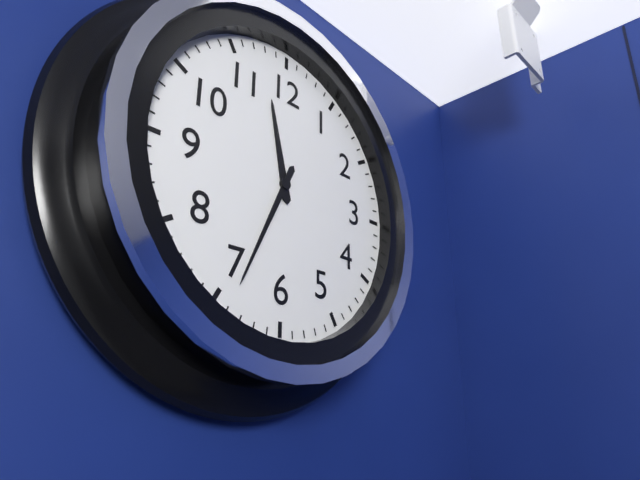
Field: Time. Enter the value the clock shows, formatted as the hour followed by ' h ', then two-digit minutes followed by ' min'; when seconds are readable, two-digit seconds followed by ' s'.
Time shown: 11 h 34 min
